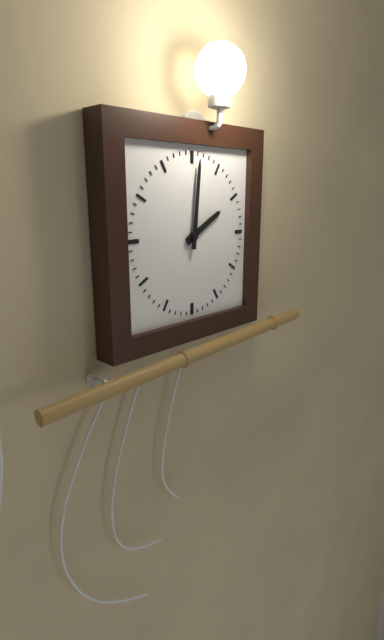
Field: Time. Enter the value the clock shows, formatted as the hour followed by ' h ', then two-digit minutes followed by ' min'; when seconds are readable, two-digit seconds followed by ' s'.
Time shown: 2 h 01 min
